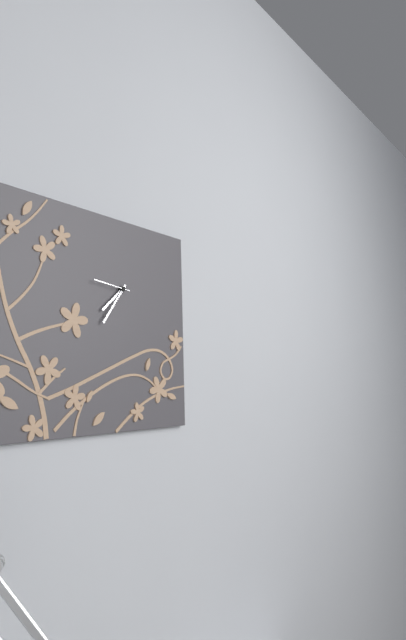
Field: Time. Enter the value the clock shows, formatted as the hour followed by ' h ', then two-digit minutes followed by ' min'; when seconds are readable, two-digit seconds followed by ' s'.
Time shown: 7 h 36 min
